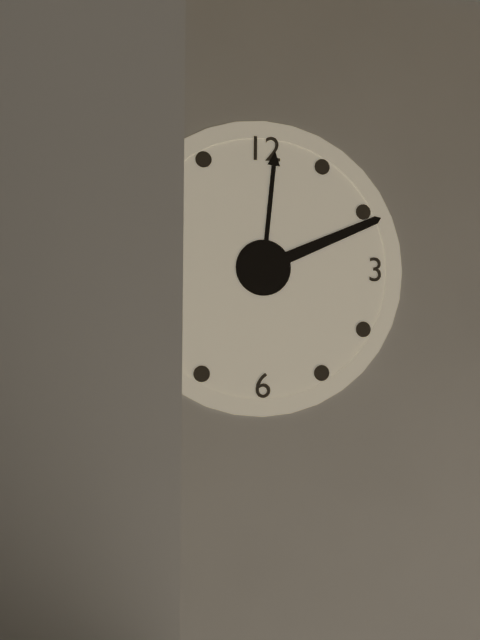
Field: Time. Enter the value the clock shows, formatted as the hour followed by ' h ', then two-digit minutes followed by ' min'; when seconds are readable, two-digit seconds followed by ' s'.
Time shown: 12 h 11 min
